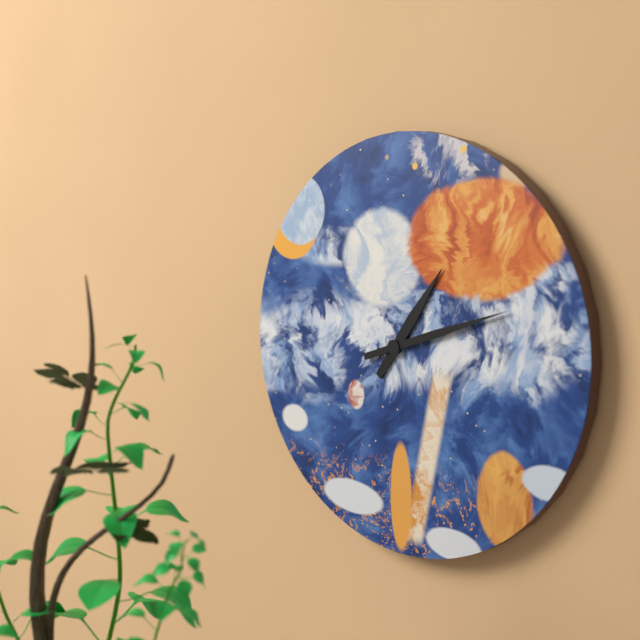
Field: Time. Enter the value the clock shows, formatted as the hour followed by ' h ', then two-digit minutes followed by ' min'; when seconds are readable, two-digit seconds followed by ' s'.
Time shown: 1 h 12 min
